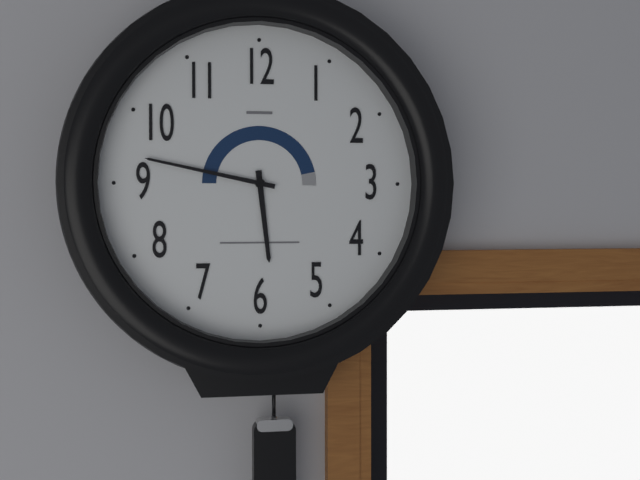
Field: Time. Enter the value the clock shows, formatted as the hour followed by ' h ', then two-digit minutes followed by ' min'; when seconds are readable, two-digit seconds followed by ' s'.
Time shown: 5 h 47 min
